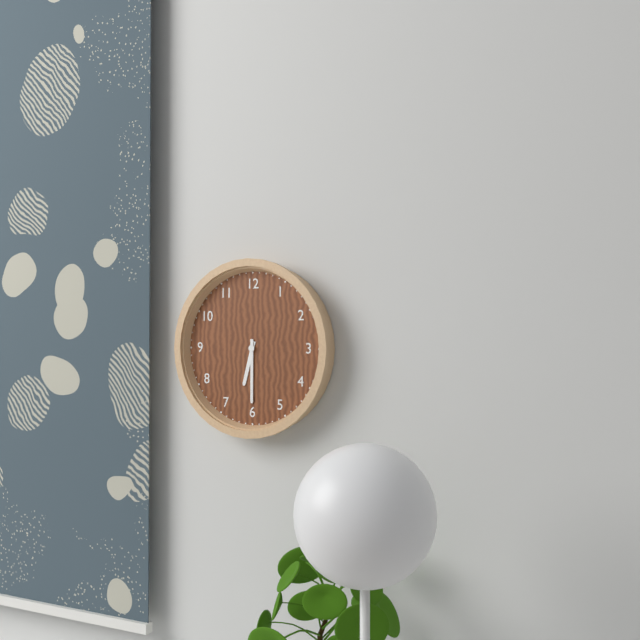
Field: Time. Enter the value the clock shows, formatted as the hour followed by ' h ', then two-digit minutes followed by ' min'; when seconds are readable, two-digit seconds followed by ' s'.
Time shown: 6 h 30 min
